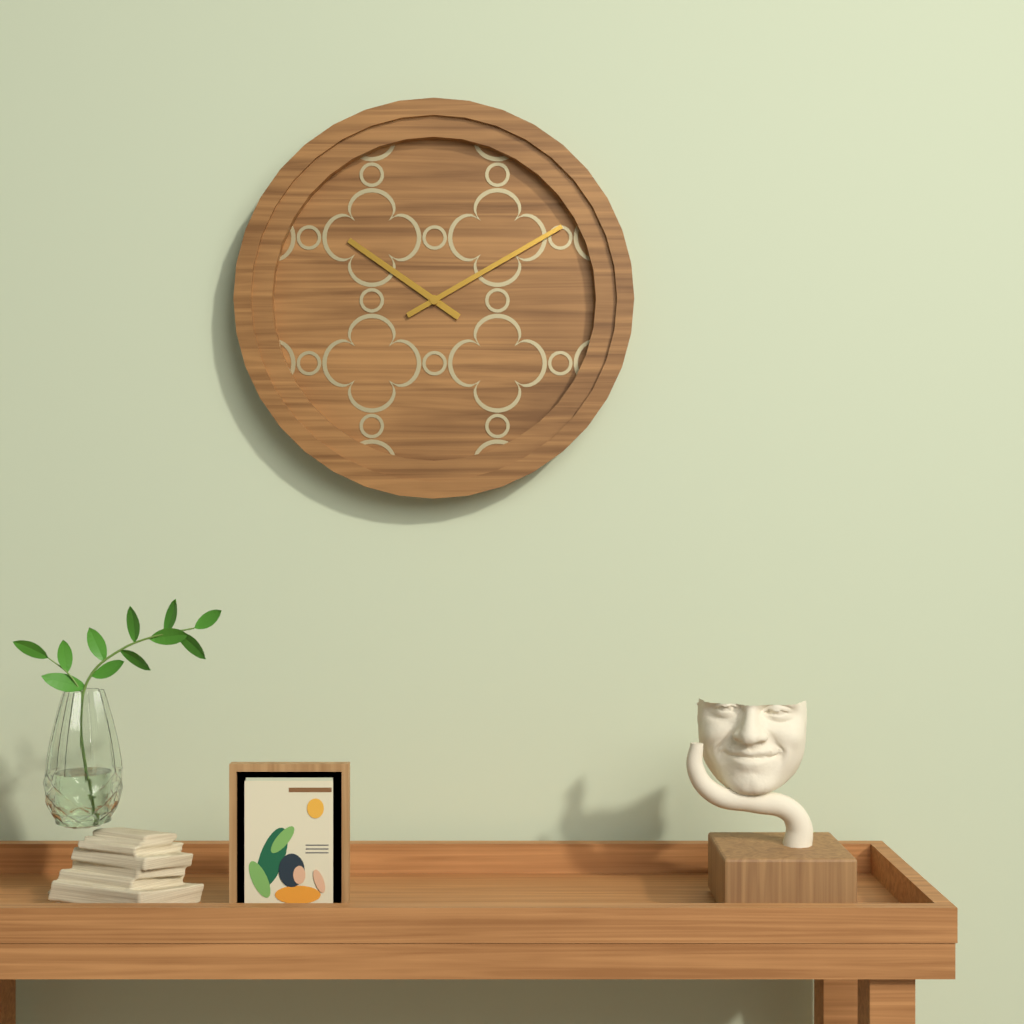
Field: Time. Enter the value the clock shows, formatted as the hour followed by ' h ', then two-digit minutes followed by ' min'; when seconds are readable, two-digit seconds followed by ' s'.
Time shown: 10 h 10 min
